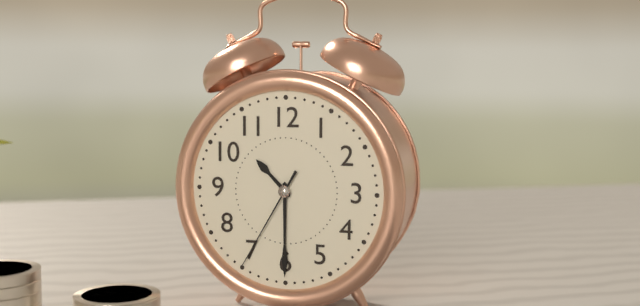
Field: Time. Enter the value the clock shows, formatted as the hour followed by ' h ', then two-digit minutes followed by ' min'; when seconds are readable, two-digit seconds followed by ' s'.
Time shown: 10 h 30 min 35 s
